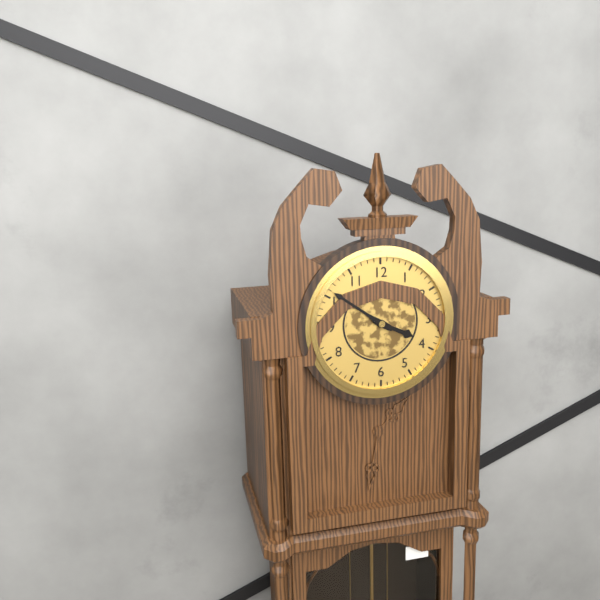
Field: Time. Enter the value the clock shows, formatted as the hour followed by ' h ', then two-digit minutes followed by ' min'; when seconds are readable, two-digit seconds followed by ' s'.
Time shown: 3 h 51 min
